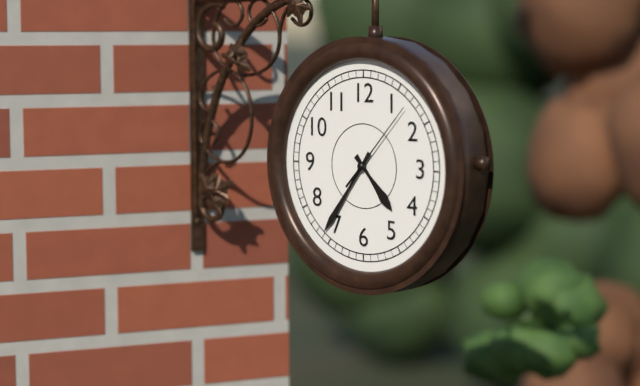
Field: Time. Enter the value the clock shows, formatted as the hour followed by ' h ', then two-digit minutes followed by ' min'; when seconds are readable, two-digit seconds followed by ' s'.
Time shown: 4 h 36 min 07 s
